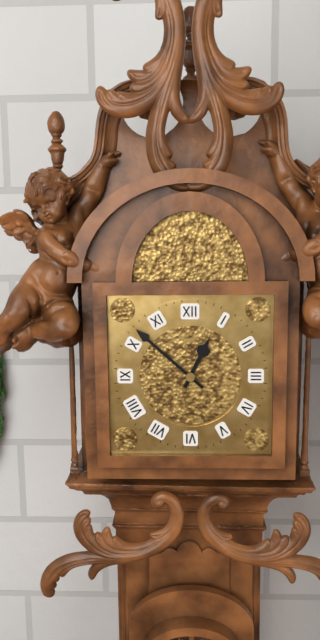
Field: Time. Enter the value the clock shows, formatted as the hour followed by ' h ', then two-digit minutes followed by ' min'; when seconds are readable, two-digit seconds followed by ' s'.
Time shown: 12 h 52 min
